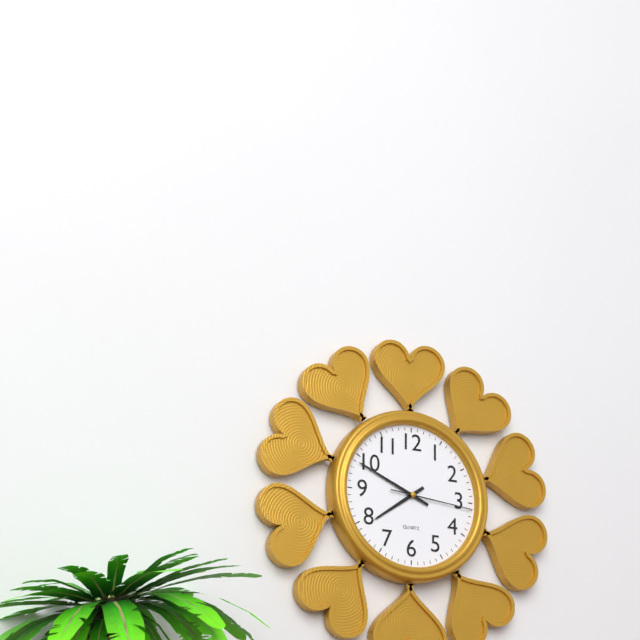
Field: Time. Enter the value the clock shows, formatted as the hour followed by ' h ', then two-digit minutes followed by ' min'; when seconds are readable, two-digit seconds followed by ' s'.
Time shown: 7 h 49 min 16 s
